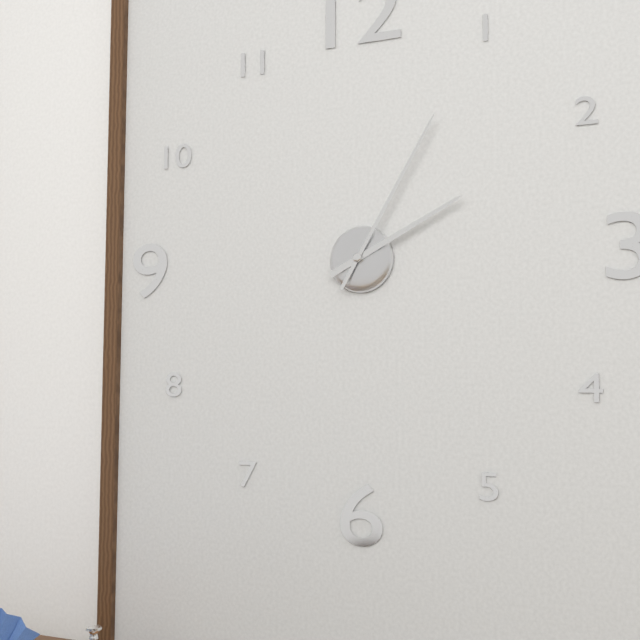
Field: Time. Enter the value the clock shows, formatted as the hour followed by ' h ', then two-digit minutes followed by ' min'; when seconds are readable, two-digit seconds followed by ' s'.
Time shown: 2 h 05 min
